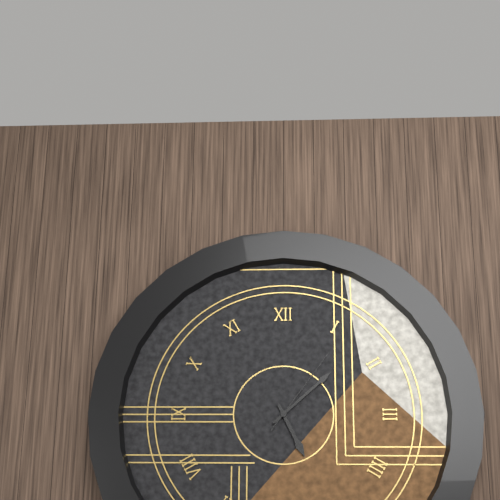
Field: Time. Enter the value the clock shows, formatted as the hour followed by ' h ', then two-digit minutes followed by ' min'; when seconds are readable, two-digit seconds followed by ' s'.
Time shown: 5 h 08 min 06 s
